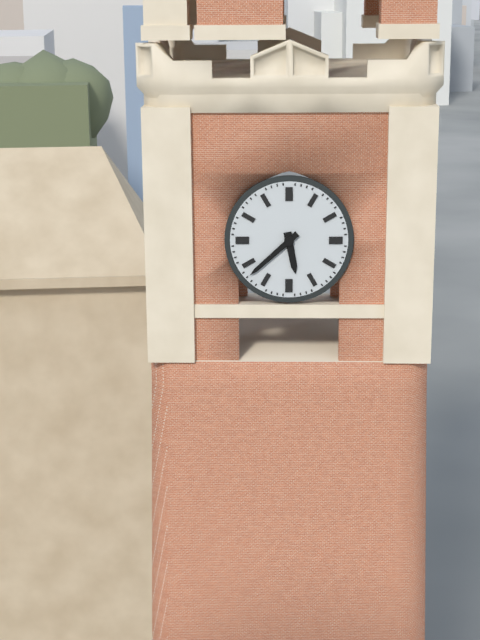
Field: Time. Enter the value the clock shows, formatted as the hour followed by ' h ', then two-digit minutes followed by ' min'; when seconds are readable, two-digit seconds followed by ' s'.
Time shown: 5 h 38 min
